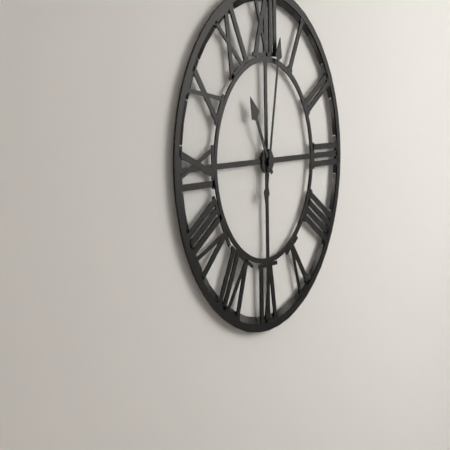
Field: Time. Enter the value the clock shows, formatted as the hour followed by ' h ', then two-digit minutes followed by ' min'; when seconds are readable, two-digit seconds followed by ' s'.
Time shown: 11 h 02 min
